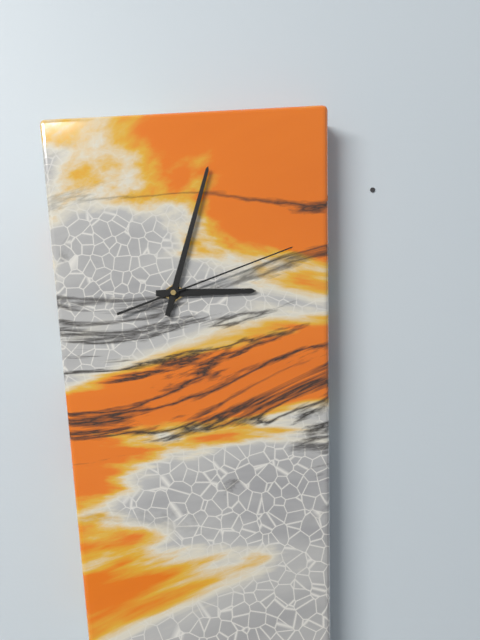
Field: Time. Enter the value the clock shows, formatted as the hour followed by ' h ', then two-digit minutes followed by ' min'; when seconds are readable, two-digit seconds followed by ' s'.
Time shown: 3 h 03 min 12 s
